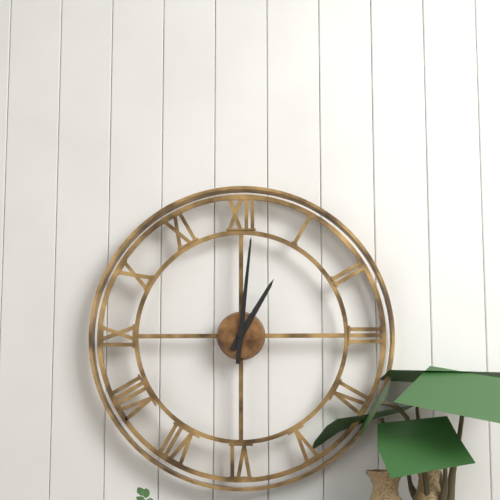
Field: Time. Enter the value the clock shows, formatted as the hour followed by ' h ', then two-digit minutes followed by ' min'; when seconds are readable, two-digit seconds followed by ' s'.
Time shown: 1 h 01 min
